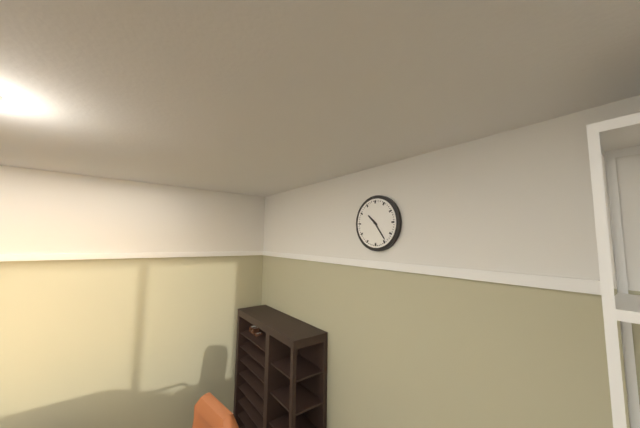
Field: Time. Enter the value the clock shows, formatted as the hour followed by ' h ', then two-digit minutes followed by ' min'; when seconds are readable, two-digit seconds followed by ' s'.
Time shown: 10 h 24 min
